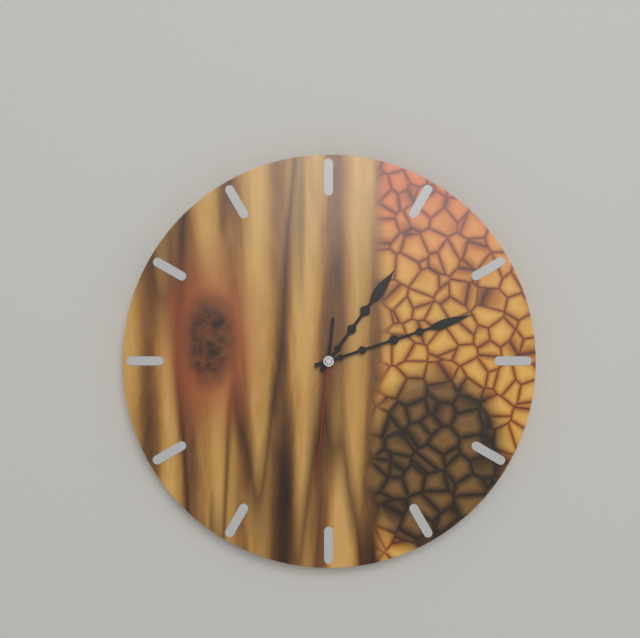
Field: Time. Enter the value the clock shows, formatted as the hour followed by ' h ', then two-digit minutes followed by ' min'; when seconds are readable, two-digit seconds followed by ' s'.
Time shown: 1 h 12 min 31 s
